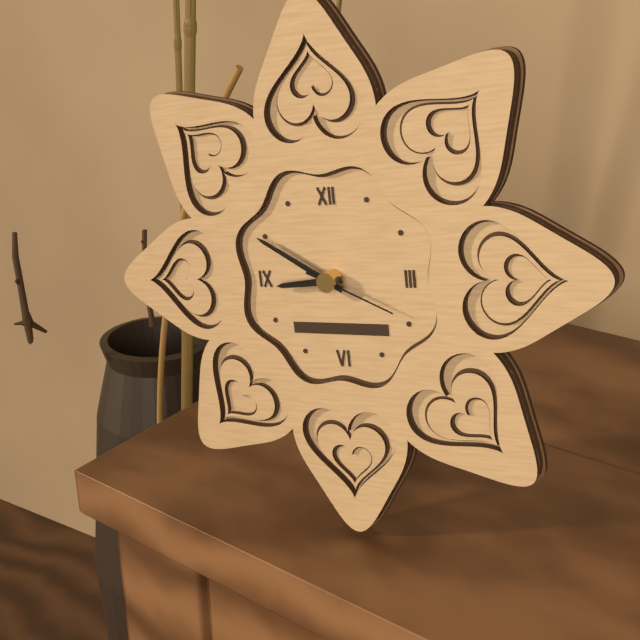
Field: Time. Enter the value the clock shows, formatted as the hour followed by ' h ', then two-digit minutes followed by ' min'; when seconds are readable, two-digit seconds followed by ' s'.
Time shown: 8 h 50 min 19 s
